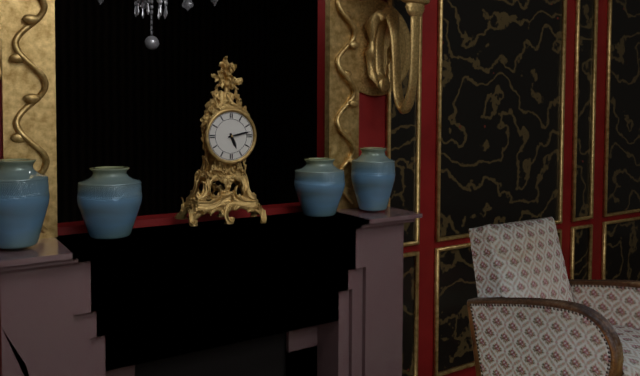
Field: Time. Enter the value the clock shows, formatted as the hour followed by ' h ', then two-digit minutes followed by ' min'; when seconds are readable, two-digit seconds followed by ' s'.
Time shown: 5 h 13 min
